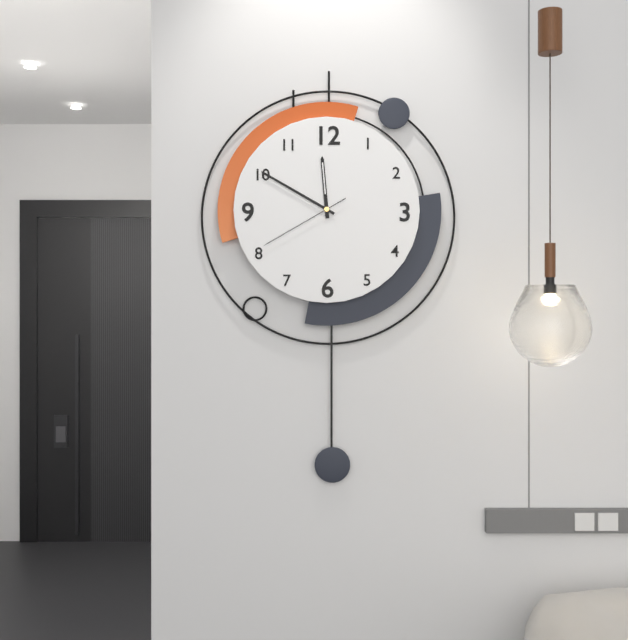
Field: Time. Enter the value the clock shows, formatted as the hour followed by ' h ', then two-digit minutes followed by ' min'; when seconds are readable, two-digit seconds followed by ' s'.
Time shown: 11 h 50 min 40 s
